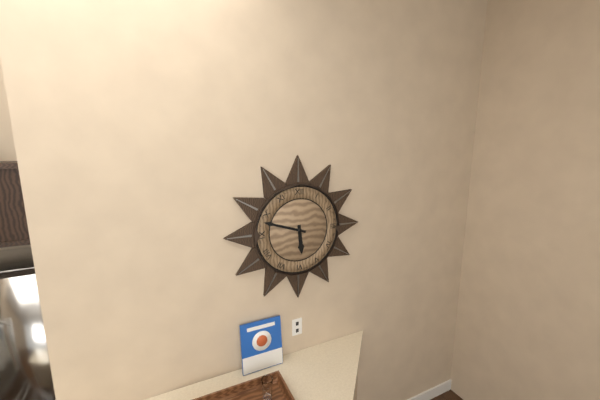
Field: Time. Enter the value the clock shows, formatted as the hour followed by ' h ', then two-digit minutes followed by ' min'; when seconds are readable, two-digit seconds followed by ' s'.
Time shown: 5 h 48 min
